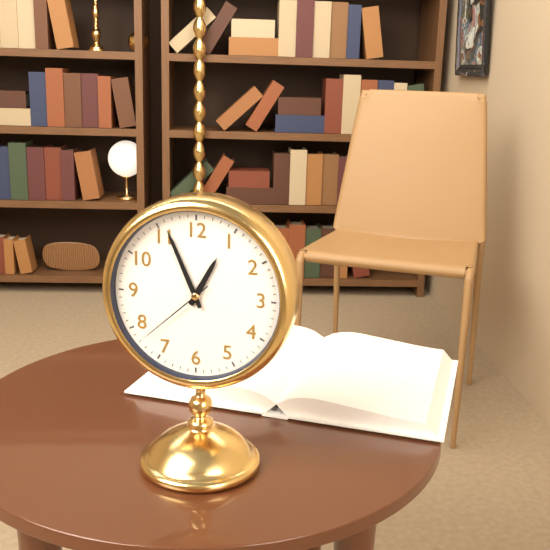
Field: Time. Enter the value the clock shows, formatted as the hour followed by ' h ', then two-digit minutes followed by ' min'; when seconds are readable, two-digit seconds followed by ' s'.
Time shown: 12 h 56 min 38 s
